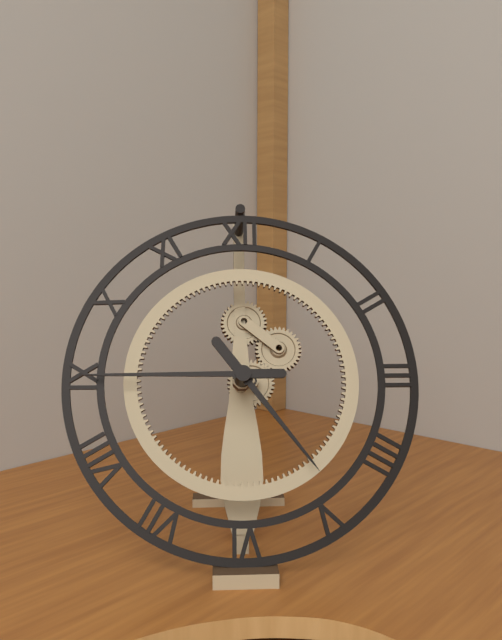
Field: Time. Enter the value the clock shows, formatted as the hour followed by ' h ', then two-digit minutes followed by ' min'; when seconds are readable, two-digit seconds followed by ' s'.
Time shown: 4 h 45 min
